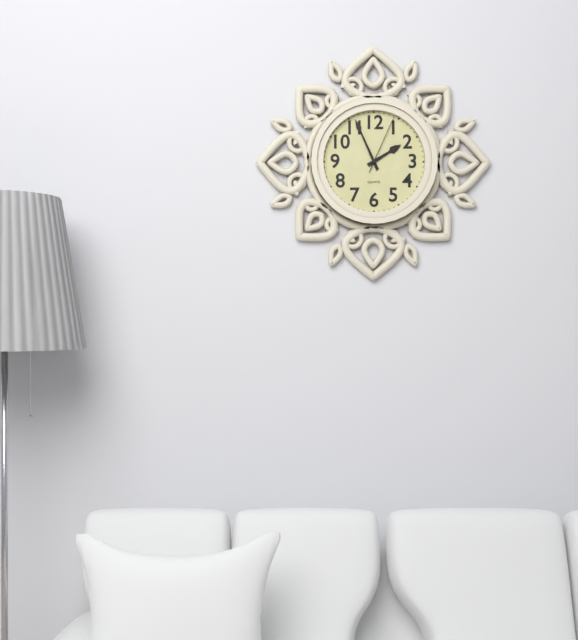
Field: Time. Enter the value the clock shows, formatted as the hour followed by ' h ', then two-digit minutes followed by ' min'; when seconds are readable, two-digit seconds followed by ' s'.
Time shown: 1 h 56 min 04 s
